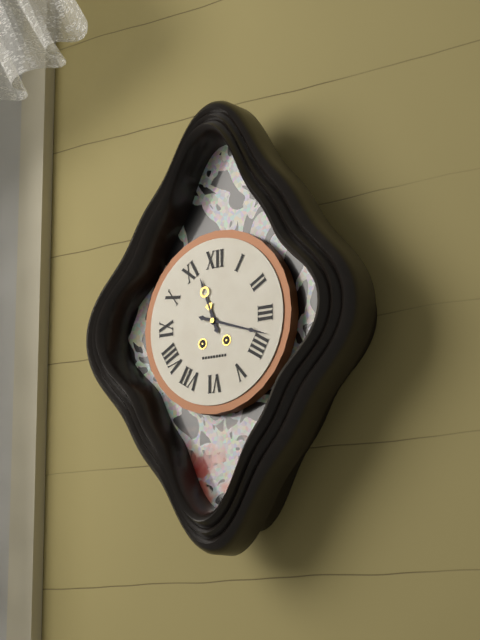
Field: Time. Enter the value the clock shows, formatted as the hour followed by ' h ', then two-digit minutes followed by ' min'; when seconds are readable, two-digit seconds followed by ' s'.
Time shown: 11 h 18 min
